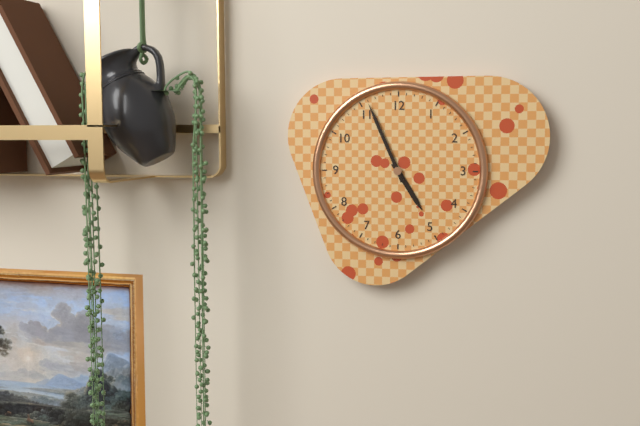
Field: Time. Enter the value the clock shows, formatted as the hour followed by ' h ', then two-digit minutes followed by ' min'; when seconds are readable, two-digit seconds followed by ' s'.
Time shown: 4 h 56 min
